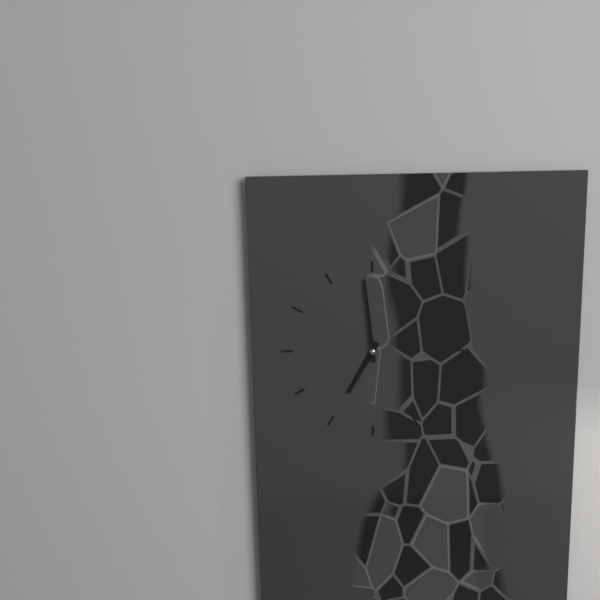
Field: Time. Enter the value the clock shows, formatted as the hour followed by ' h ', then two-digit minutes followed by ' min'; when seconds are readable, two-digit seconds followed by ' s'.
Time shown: 6 h 59 min
